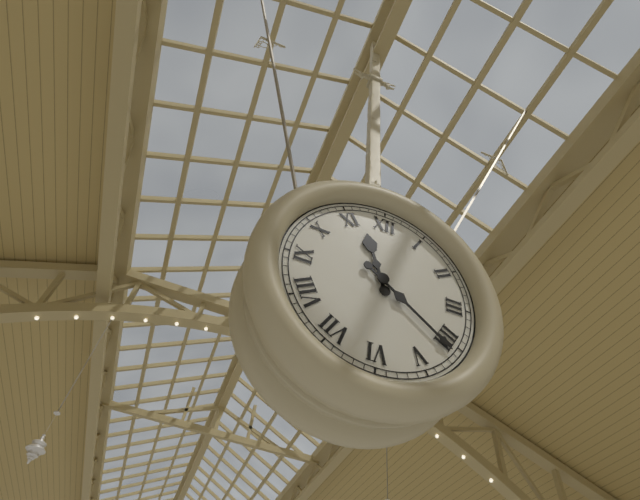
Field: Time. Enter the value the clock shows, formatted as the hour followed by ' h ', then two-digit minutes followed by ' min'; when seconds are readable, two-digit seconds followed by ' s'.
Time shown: 11 h 21 min
